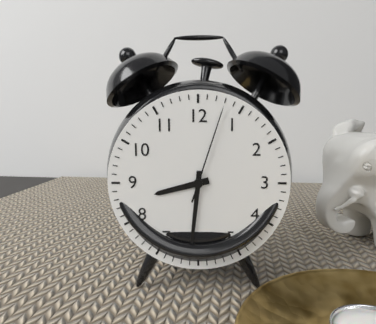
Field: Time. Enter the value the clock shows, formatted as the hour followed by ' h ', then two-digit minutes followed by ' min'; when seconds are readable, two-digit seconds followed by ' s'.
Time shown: 8 h 31 min 03 s
